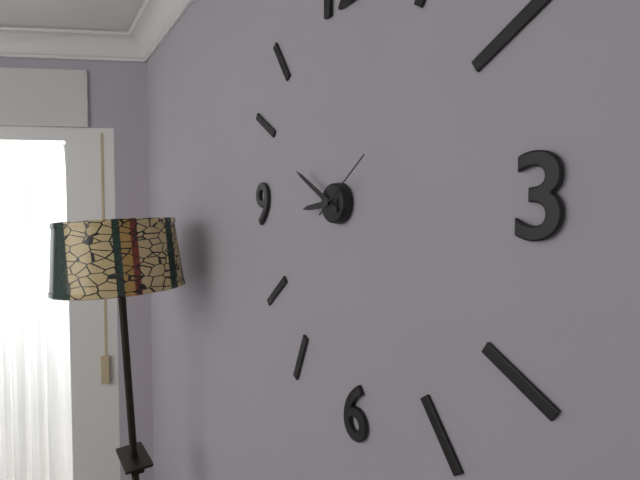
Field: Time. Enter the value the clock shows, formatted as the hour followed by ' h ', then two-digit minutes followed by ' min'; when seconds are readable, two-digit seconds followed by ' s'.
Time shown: 8 h 50 min 09 s
